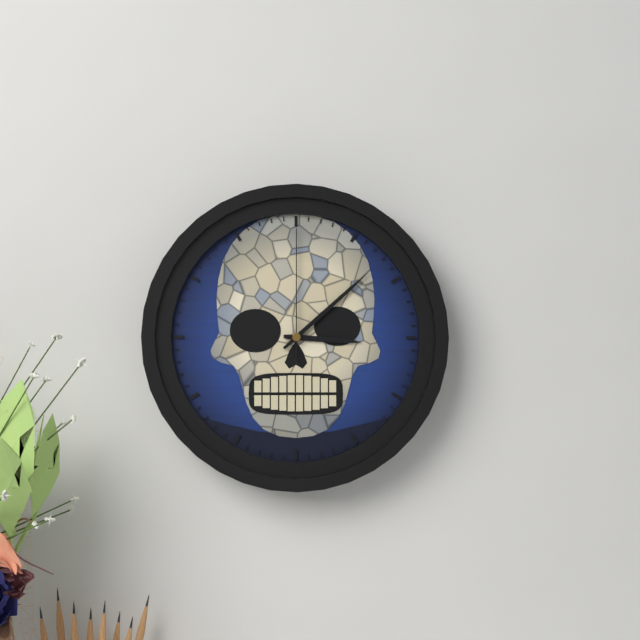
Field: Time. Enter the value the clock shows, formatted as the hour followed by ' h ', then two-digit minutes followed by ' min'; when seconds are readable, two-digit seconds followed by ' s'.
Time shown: 3 h 08 min 00 s
